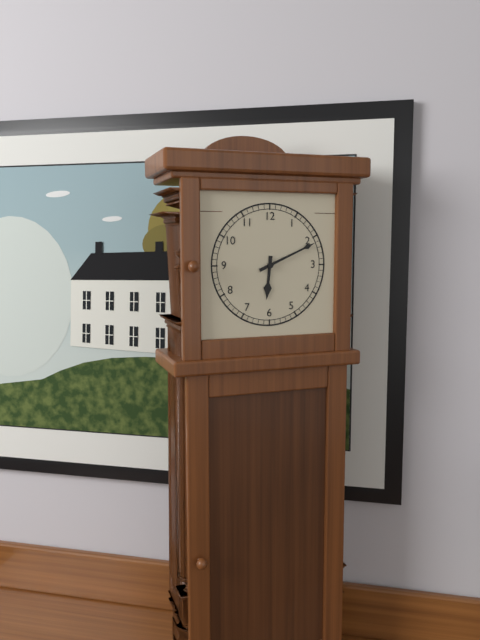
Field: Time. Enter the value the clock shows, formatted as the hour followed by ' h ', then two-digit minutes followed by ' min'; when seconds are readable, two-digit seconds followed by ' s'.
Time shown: 6 h 11 min
